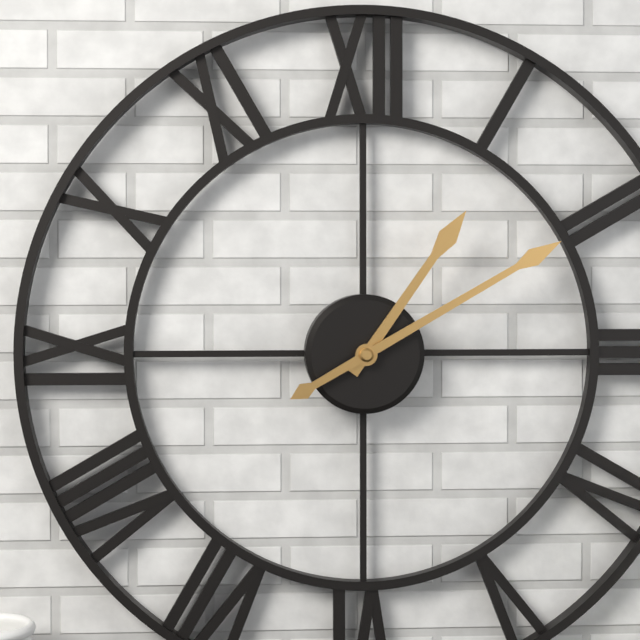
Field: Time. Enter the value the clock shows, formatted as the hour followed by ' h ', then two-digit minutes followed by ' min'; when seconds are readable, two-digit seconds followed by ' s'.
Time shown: 1 h 10 min
